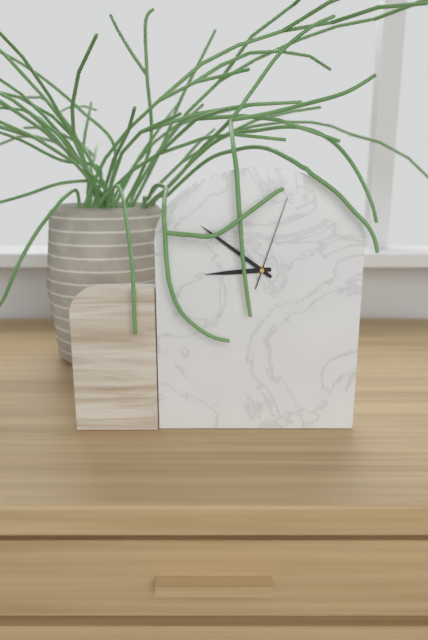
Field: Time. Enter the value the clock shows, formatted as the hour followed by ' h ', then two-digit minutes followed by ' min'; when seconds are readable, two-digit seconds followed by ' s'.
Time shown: 8 h 51 min 03 s
